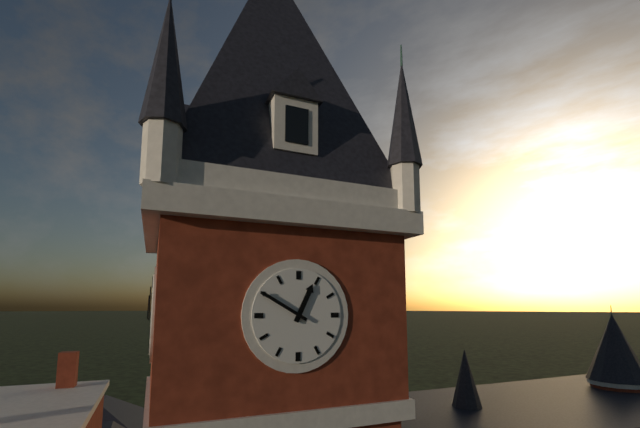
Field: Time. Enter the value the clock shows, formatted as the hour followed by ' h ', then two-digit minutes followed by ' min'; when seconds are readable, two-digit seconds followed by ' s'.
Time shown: 12 h 50 min
